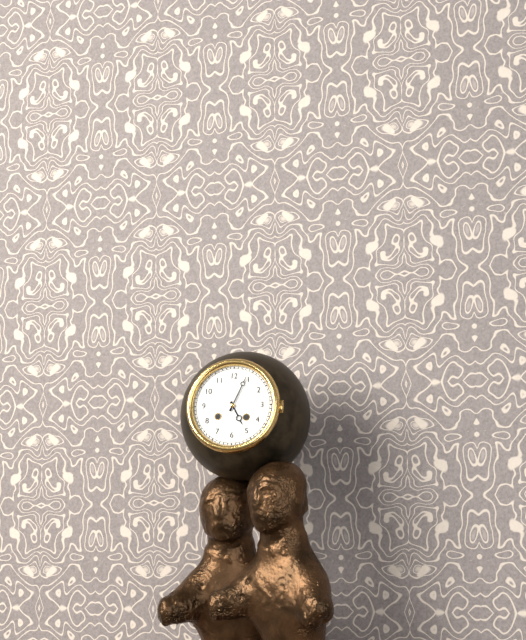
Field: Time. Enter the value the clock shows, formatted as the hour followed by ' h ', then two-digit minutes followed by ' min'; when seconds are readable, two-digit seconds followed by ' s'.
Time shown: 5 h 04 min
